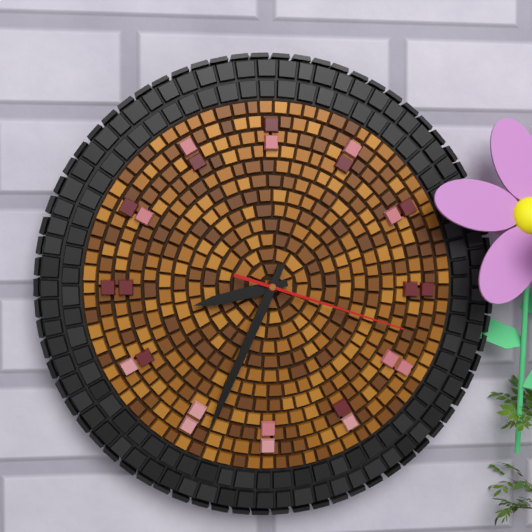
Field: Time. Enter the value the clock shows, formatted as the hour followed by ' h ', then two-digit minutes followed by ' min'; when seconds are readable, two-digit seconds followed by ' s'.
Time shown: 8 h 34 min 18 s
